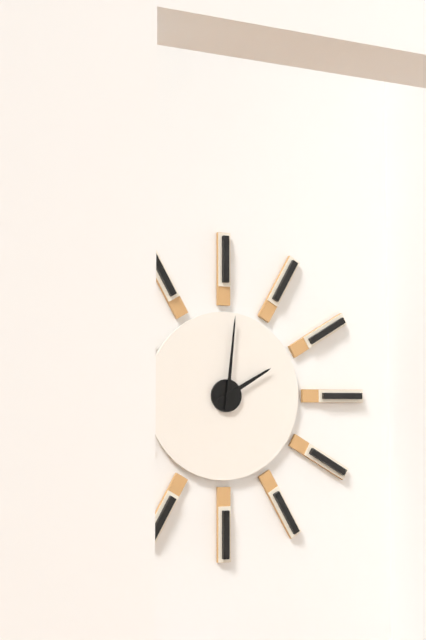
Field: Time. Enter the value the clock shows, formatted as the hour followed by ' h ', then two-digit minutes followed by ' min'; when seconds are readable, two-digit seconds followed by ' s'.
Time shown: 2 h 01 min
